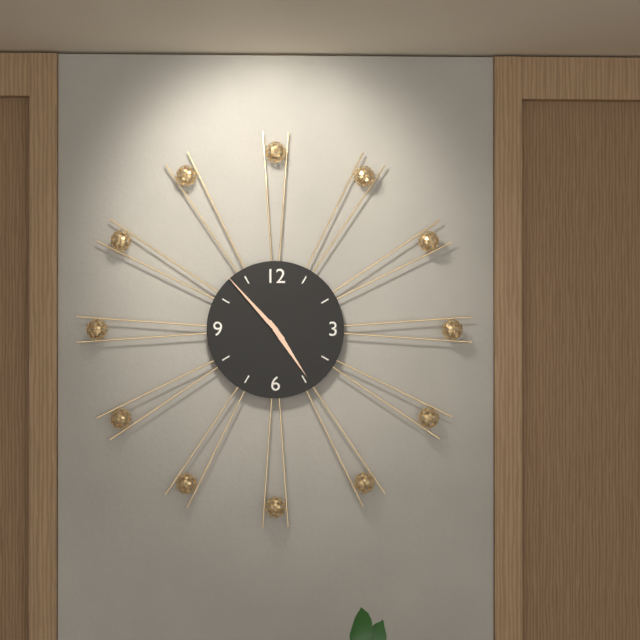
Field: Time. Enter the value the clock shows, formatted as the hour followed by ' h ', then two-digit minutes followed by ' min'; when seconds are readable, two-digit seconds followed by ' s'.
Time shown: 4 h 53 min
